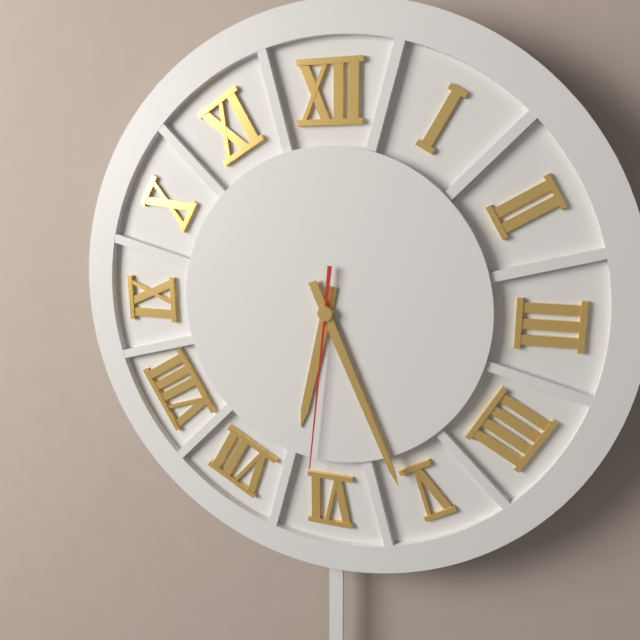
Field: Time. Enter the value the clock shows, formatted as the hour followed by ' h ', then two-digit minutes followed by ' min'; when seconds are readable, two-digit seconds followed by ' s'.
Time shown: 6 h 26 min 31 s
